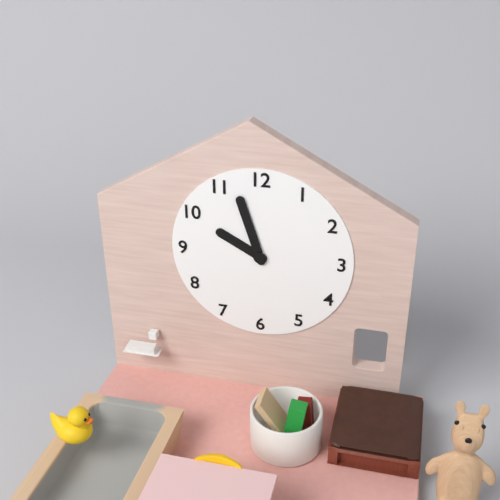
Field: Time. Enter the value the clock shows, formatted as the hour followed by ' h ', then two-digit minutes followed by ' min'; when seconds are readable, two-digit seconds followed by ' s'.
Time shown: 9 h 57 min
